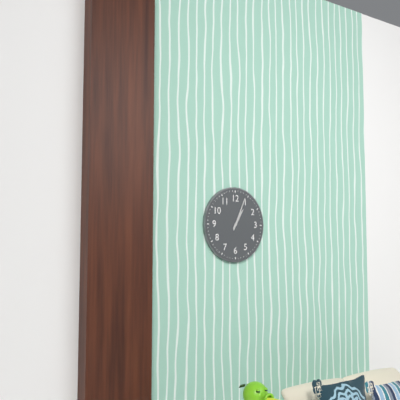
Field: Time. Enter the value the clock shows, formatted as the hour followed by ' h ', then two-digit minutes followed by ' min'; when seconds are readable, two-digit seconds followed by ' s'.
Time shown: 1 h 04 min
